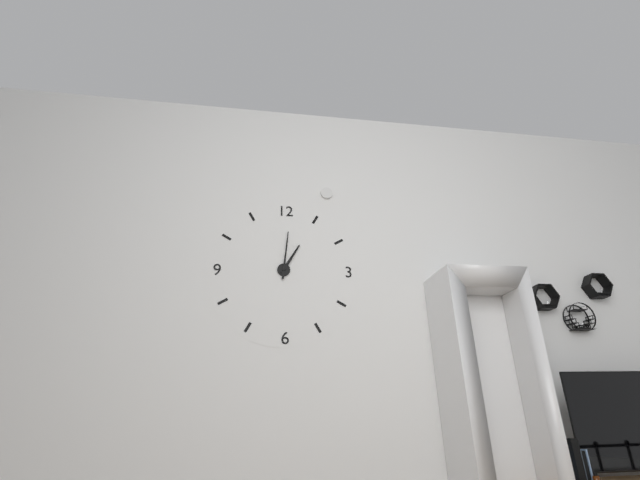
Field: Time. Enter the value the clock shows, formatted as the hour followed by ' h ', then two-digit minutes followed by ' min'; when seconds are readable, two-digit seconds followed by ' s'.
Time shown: 1 h 01 min
